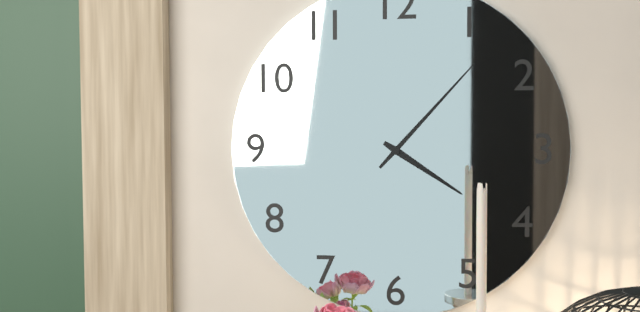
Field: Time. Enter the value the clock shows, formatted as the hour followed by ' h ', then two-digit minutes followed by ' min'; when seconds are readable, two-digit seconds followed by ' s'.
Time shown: 4 h 07 min
